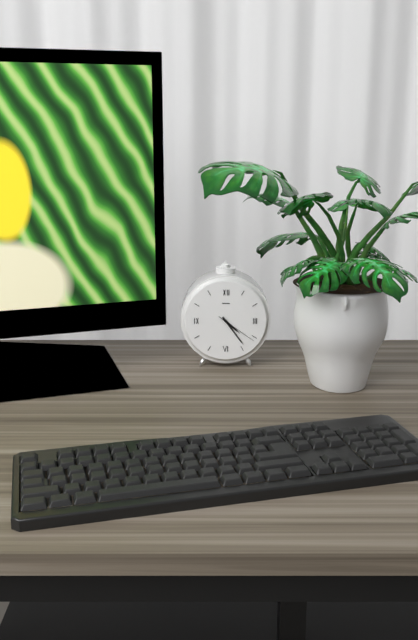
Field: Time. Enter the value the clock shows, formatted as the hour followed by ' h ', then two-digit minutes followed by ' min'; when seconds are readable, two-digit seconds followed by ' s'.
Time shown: 4 h 24 min
